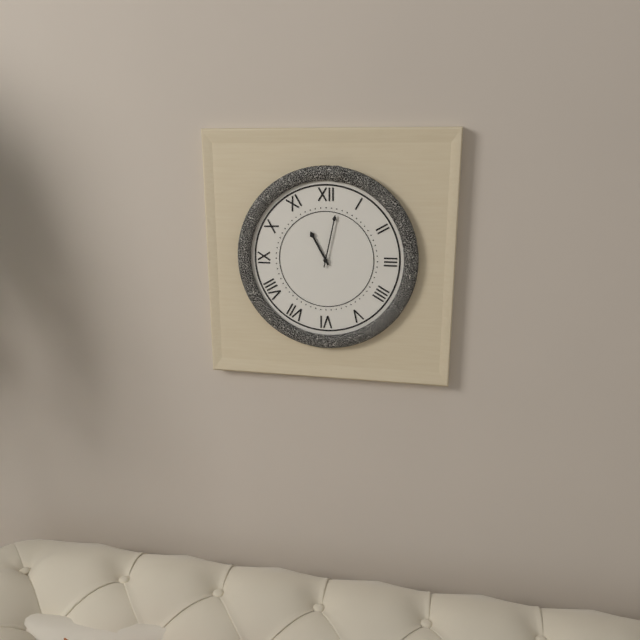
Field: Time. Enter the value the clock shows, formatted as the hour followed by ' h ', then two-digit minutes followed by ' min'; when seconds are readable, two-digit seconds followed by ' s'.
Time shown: 11 h 02 min
